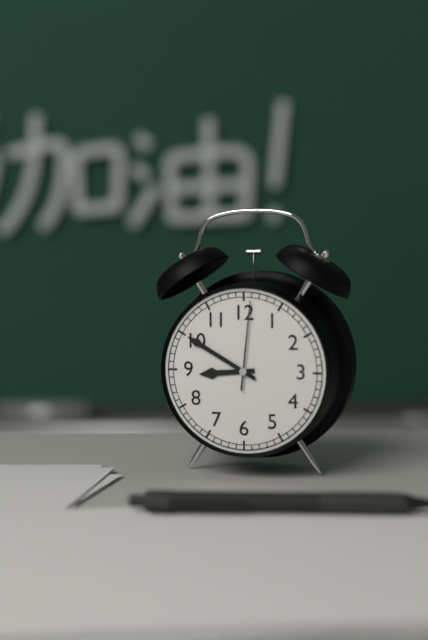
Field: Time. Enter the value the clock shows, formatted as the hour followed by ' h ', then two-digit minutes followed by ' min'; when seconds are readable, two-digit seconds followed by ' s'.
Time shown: 8 h 50 min 01 s
